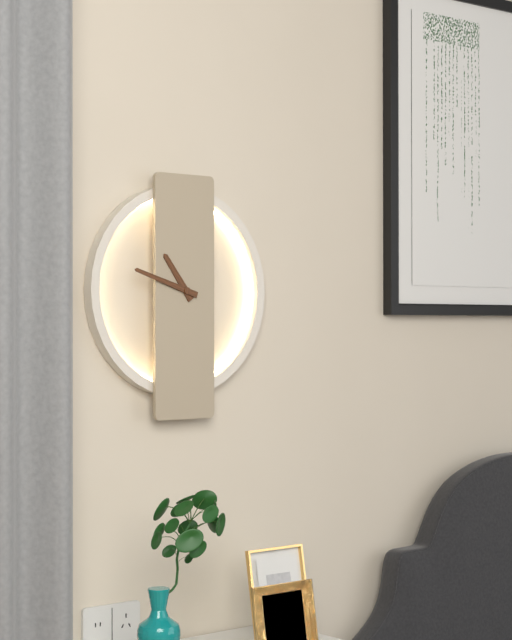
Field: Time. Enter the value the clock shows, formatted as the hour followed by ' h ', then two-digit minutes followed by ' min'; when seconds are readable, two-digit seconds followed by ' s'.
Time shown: 10 h 48 min
